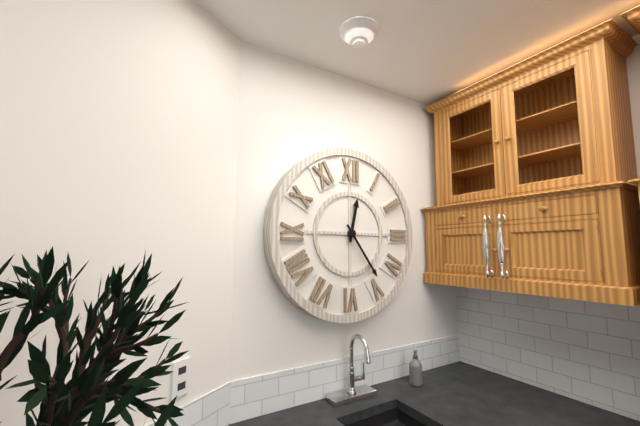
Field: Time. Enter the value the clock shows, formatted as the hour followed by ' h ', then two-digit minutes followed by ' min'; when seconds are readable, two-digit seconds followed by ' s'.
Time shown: 12 h 24 min
